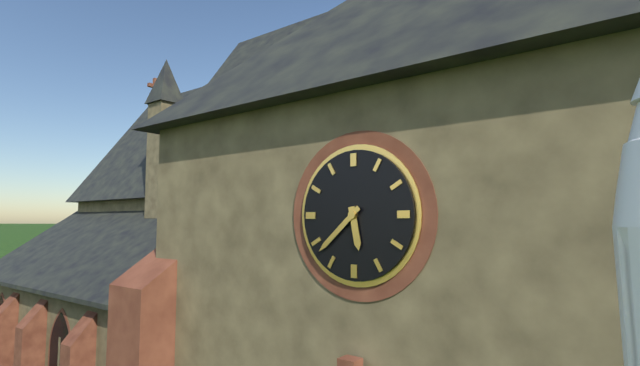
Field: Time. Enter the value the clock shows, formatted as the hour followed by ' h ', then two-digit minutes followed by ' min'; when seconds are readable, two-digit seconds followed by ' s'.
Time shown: 5 h 38 min
